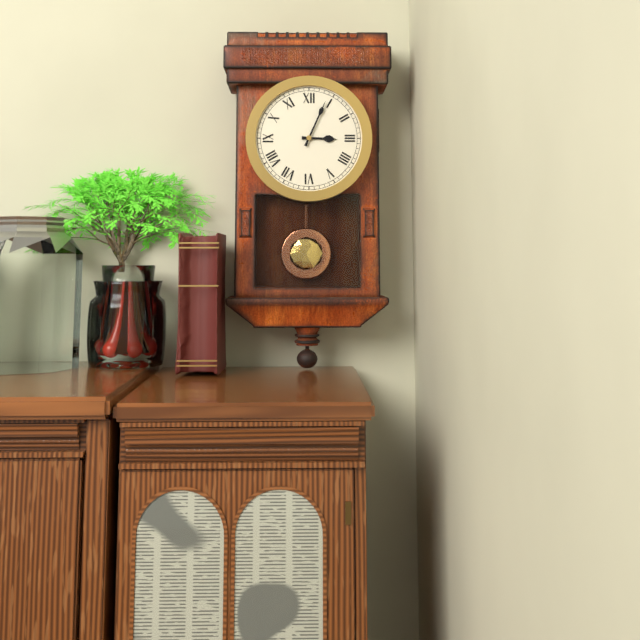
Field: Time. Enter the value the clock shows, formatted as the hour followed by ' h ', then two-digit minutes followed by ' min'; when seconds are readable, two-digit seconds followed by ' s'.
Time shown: 3 h 04 min
